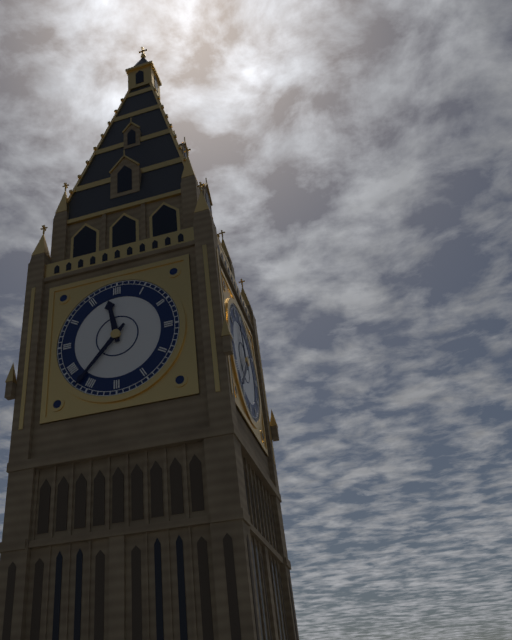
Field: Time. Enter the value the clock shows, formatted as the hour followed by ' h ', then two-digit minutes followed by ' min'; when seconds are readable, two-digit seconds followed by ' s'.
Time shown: 11 h 37 min
